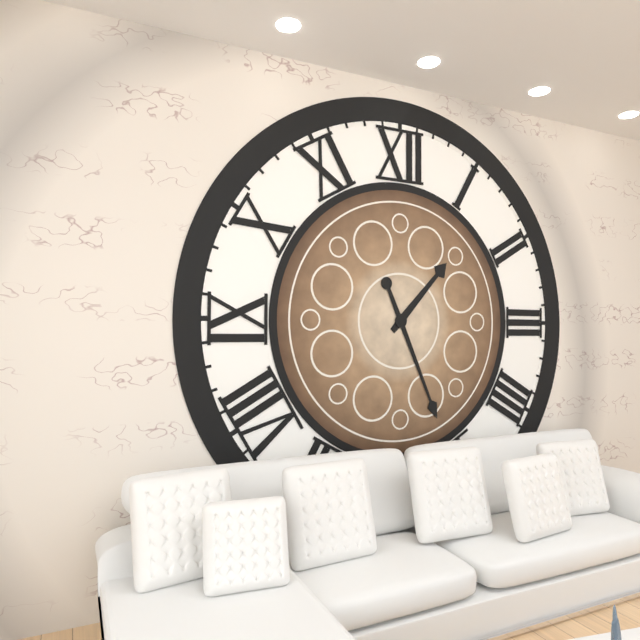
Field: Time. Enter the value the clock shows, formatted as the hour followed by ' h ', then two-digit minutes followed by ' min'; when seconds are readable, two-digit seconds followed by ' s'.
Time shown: 1 h 26 min
